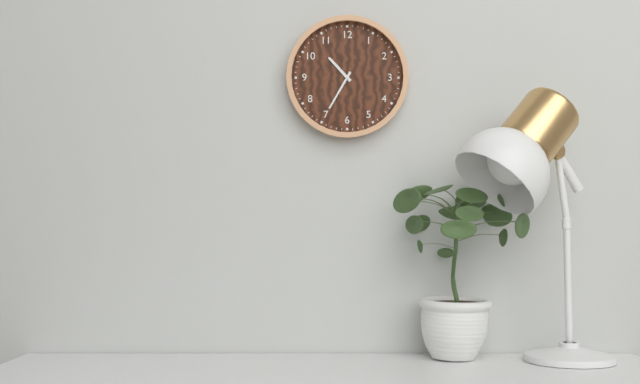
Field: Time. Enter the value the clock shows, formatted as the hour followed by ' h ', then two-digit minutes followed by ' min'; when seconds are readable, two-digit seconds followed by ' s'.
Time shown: 10 h 35 min
